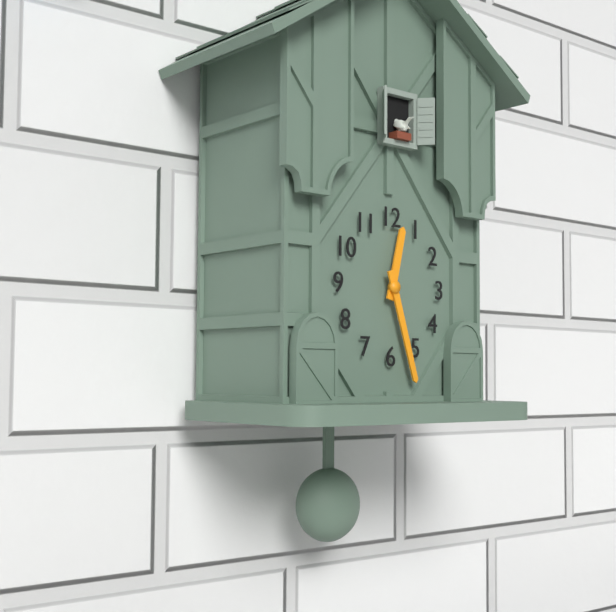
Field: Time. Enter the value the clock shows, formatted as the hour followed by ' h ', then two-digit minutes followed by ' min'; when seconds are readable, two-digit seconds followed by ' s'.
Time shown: 12 h 27 min
